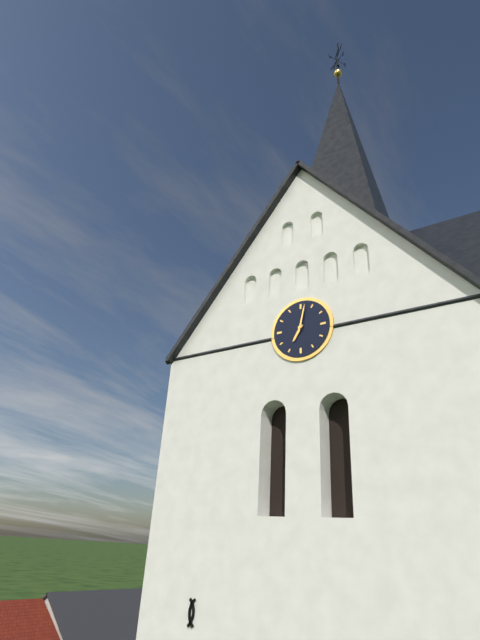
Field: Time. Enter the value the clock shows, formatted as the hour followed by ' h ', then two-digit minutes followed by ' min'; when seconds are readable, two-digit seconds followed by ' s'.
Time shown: 7 h 02 min
